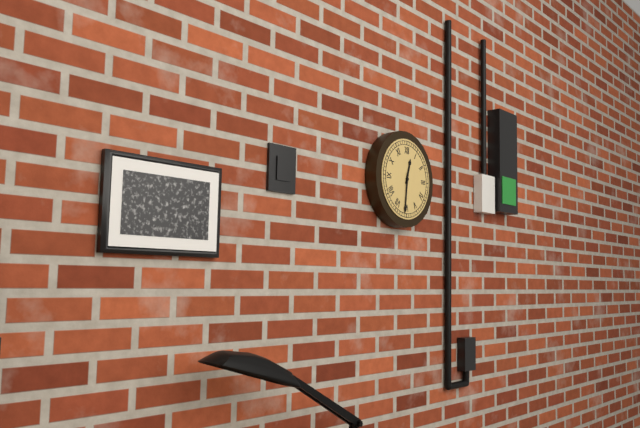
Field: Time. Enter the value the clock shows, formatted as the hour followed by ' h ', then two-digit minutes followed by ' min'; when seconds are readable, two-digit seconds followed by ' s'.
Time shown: 12 h 31 min
